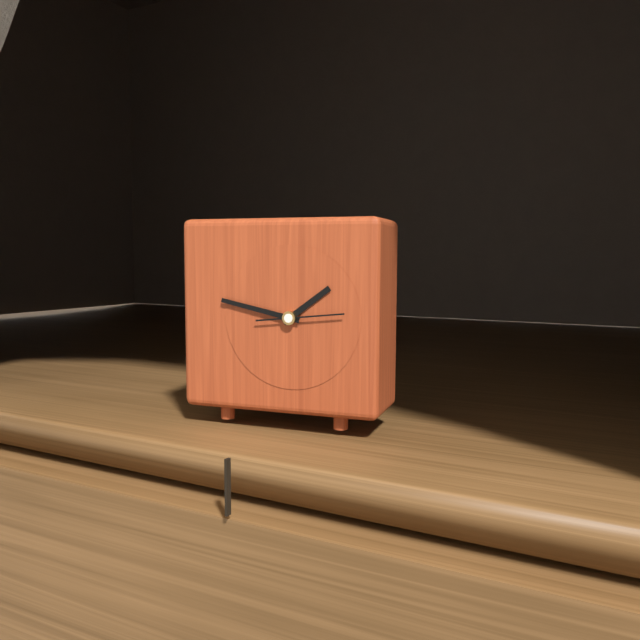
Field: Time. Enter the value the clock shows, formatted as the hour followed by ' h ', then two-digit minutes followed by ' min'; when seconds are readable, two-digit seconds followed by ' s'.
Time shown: 1 h 47 min 14 s
